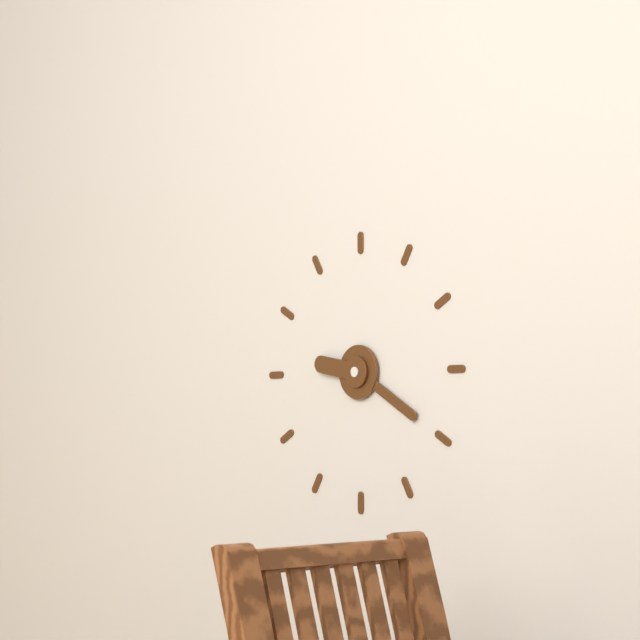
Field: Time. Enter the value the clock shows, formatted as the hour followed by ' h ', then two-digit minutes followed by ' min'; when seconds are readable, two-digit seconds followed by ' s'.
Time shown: 9 h 20 min
